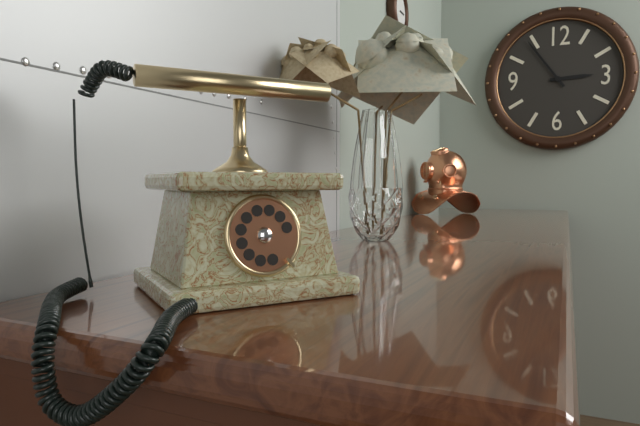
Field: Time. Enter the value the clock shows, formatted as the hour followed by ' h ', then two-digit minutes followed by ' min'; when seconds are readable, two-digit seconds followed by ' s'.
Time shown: 2 h 54 min
